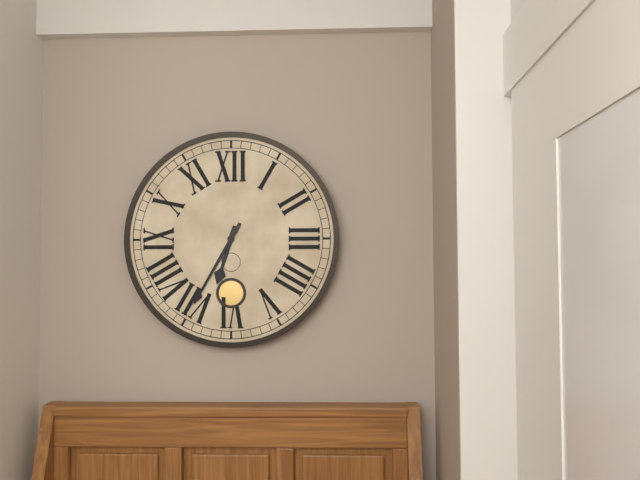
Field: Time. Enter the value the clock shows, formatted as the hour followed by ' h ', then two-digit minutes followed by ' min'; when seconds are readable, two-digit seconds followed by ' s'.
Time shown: 6 h 35 min
